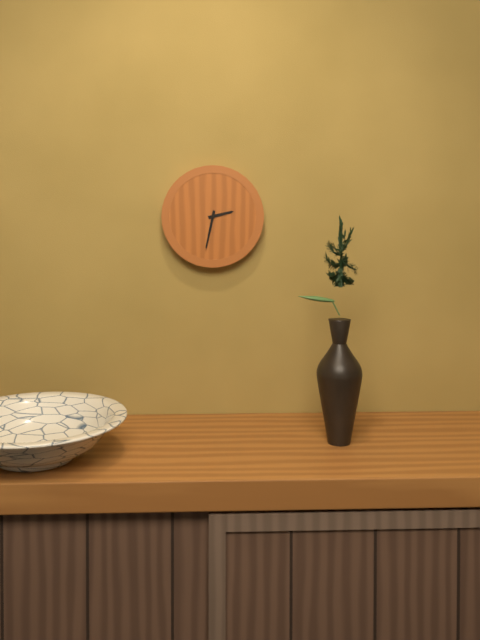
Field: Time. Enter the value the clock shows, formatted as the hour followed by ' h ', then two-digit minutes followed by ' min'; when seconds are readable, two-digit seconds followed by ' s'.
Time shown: 2 h 32 min
